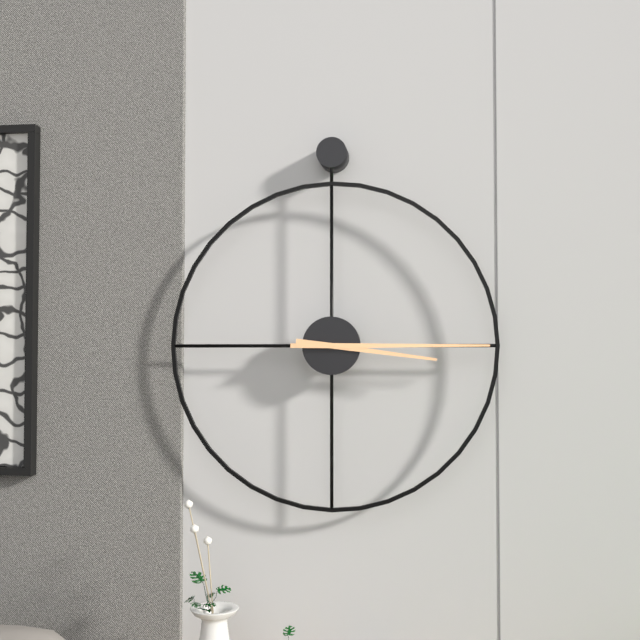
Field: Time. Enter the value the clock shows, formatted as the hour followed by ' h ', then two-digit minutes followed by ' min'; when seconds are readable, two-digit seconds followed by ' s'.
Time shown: 3 h 15 min
